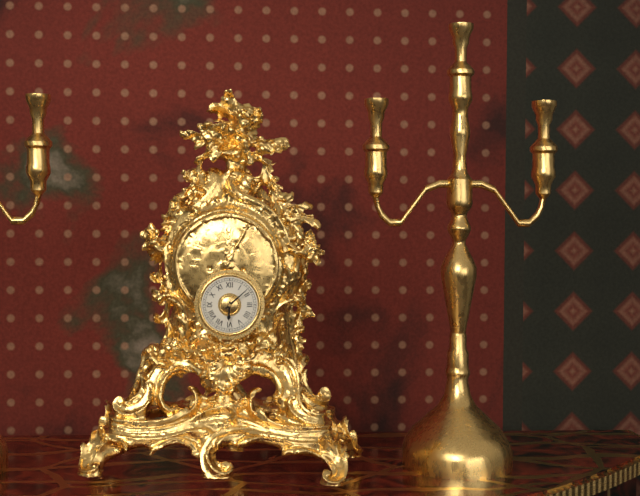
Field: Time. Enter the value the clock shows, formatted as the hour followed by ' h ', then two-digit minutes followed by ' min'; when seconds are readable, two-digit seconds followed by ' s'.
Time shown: 6 h 08 min
